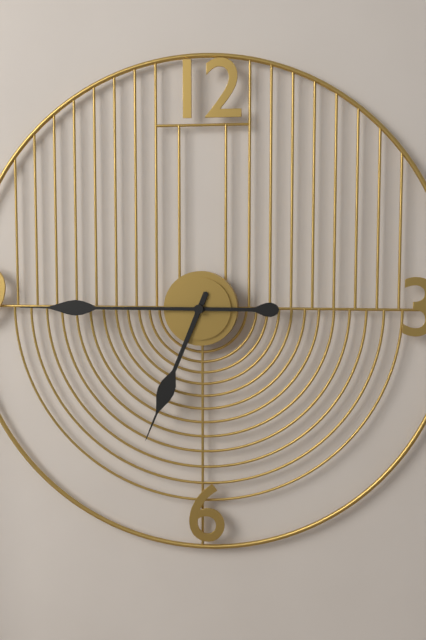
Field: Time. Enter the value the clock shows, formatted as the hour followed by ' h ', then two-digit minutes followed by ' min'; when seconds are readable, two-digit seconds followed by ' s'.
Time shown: 6 h 45 min
